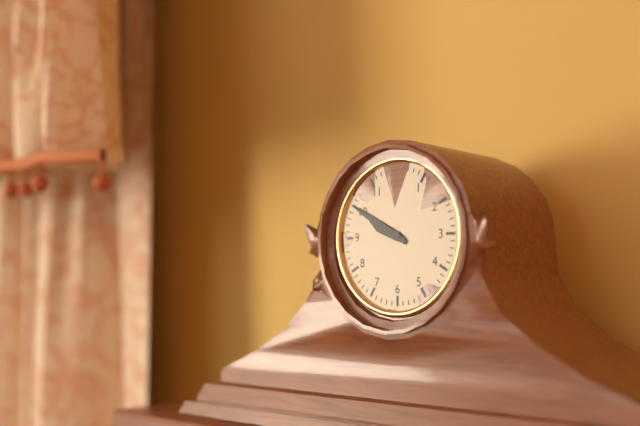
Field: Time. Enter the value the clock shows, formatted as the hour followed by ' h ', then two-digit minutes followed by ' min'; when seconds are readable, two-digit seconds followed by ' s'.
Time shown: 9 h 50 min
